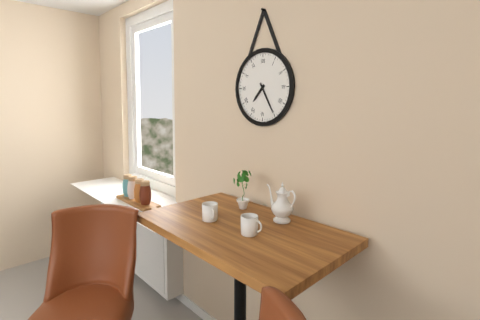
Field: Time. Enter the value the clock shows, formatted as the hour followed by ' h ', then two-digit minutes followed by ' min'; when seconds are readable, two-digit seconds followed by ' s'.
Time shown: 7 h 25 min
